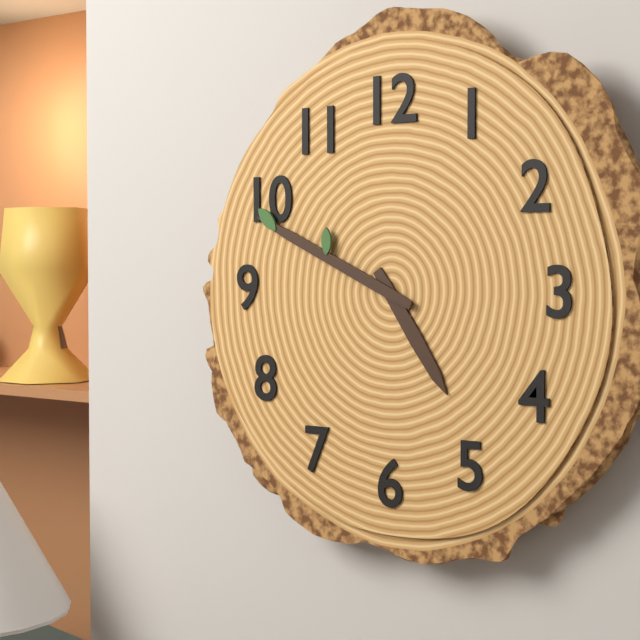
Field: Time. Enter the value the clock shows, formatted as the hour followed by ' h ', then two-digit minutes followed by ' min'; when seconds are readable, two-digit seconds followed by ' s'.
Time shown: 4 h 49 min
